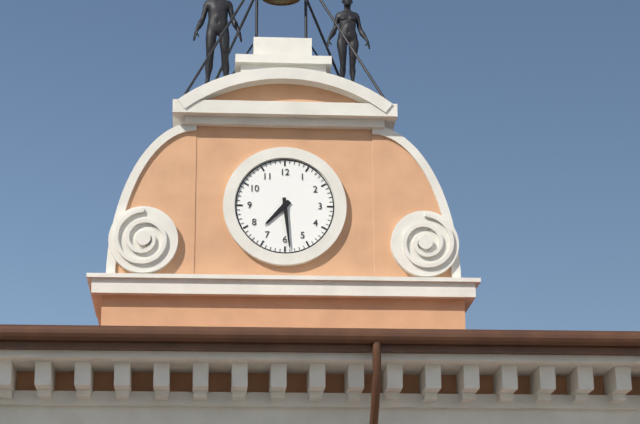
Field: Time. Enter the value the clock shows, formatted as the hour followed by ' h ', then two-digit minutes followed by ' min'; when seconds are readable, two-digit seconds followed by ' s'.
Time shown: 7 h 29 min
